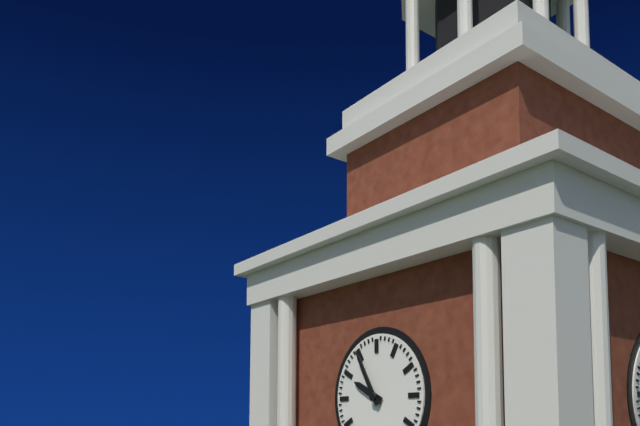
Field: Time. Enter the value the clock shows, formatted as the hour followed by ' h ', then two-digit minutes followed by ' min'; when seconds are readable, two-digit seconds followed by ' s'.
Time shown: 9 h 55 min
